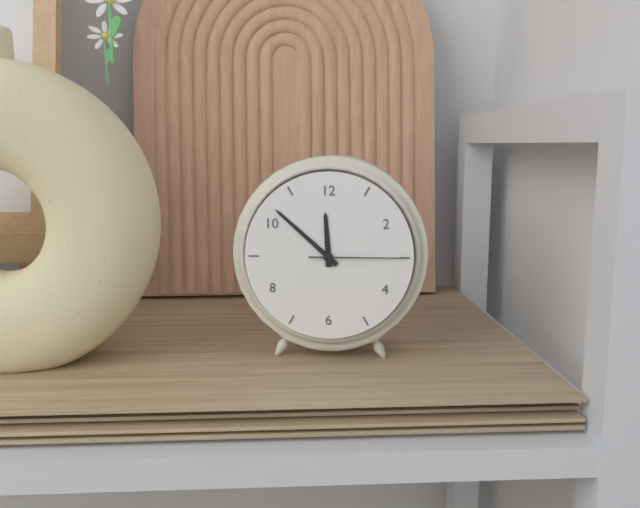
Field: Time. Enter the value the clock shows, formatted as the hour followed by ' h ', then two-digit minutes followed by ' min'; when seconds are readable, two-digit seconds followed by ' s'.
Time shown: 11 h 52 min 15 s
